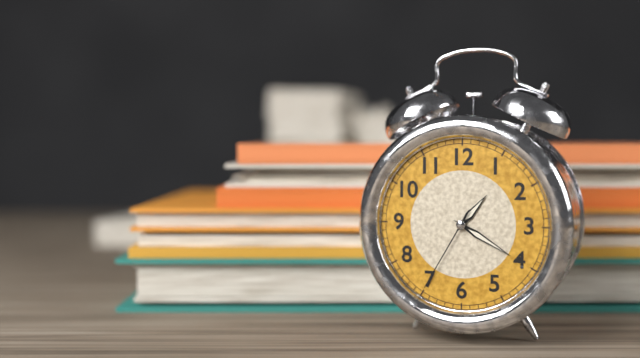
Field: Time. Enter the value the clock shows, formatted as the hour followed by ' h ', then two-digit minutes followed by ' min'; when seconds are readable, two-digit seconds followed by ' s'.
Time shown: 1 h 20 min 35 s
